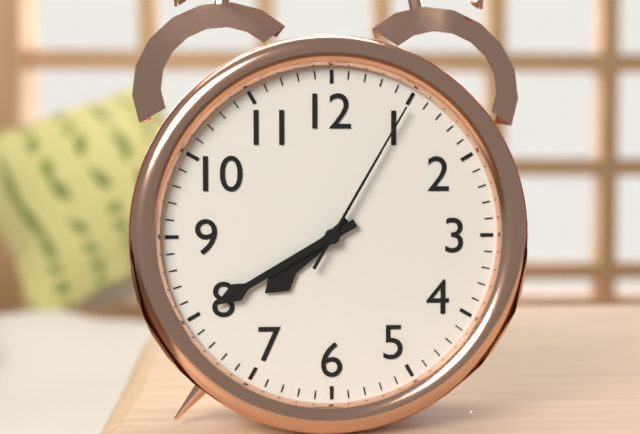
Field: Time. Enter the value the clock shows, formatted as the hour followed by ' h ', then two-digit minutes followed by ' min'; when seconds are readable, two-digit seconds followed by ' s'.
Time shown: 7 h 40 min 05 s
